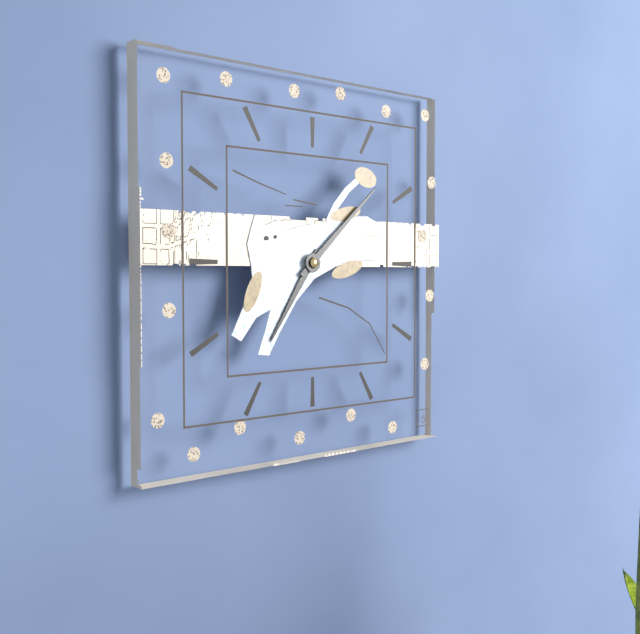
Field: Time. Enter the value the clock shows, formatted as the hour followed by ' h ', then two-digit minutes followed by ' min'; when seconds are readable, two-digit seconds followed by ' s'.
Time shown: 7 h 08 min
